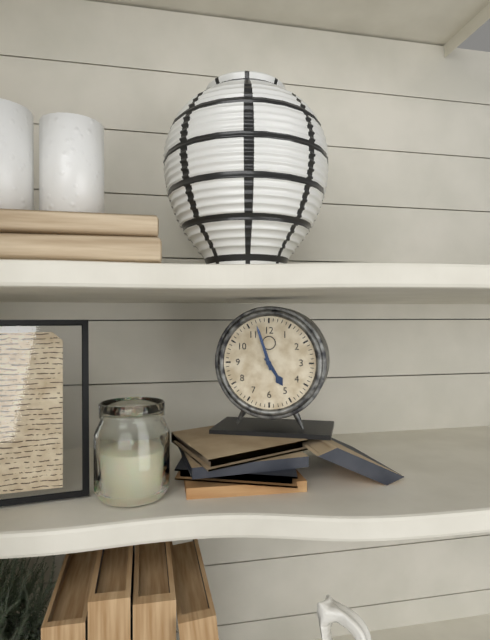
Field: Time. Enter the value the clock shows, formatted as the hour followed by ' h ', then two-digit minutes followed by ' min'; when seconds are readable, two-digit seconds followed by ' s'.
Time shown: 4 h 57 min
